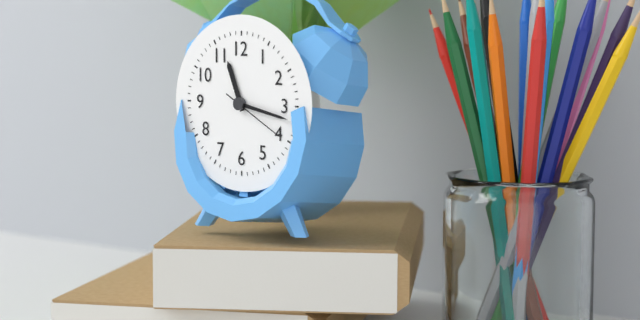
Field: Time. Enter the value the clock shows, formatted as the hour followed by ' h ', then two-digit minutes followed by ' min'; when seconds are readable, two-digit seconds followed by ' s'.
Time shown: 11 h 17 min 20 s
